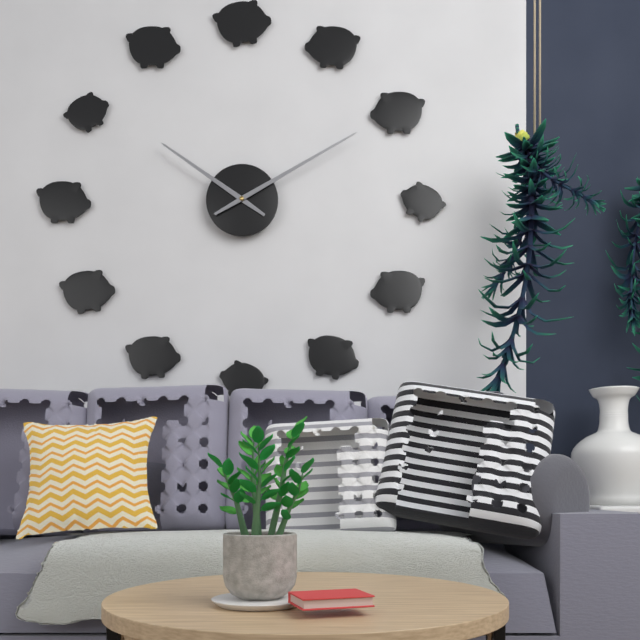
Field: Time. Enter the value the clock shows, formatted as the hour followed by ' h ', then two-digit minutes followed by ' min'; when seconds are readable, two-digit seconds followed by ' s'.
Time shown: 10 h 10 min
